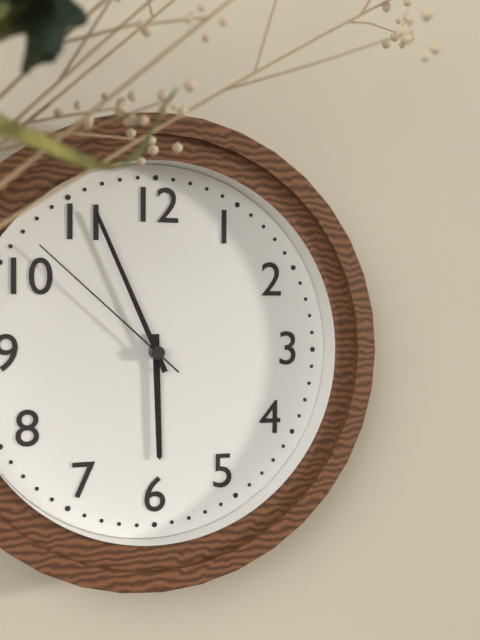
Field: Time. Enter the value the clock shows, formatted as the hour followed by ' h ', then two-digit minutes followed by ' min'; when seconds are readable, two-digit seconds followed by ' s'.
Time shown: 5 h 56 min 52 s
